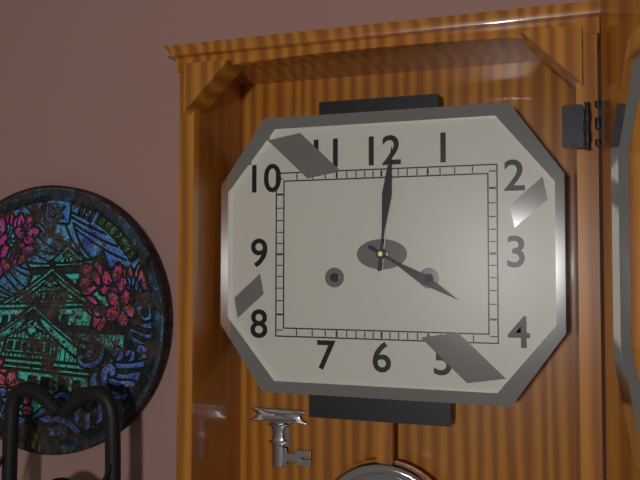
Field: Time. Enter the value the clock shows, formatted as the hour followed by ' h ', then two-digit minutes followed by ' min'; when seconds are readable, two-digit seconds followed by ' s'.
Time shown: 4 h 01 min
